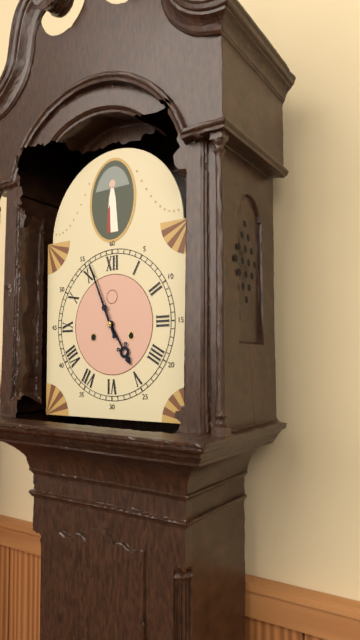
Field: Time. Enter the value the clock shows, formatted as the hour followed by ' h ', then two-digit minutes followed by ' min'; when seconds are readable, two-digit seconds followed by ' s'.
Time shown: 4 h 56 min
